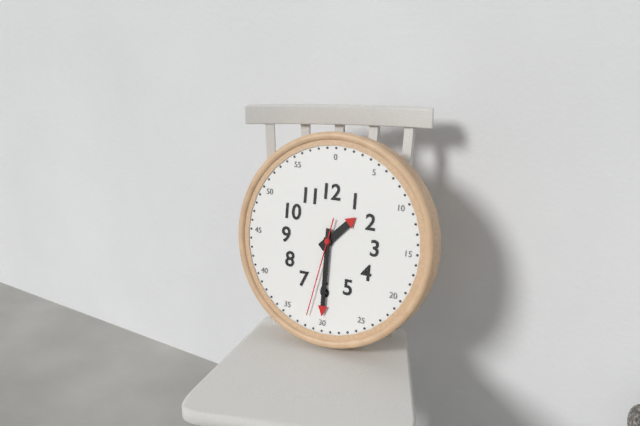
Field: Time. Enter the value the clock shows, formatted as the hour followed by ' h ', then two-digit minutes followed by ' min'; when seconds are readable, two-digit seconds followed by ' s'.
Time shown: 1 h 30 min 32 s
